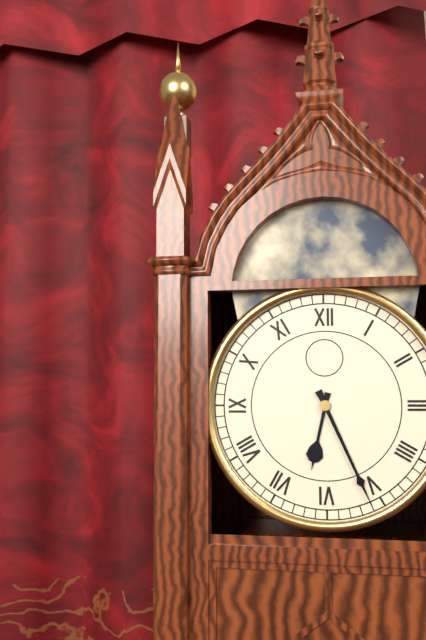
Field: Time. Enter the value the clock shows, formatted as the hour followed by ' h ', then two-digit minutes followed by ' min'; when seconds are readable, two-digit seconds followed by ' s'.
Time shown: 6 h 26 min
